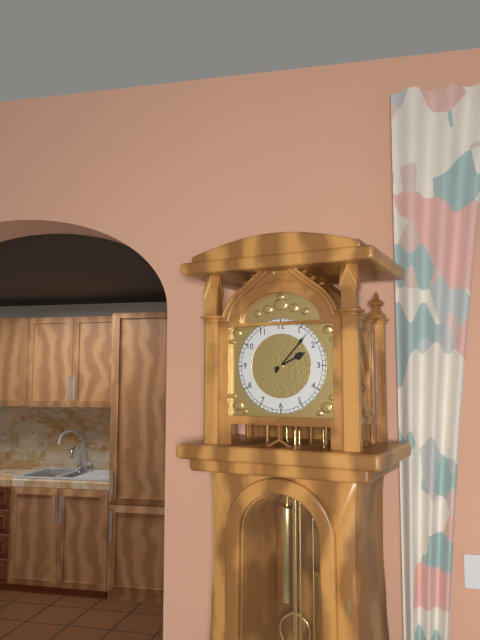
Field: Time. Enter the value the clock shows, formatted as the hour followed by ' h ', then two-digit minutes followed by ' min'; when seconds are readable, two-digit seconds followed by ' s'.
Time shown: 2 h 07 min
